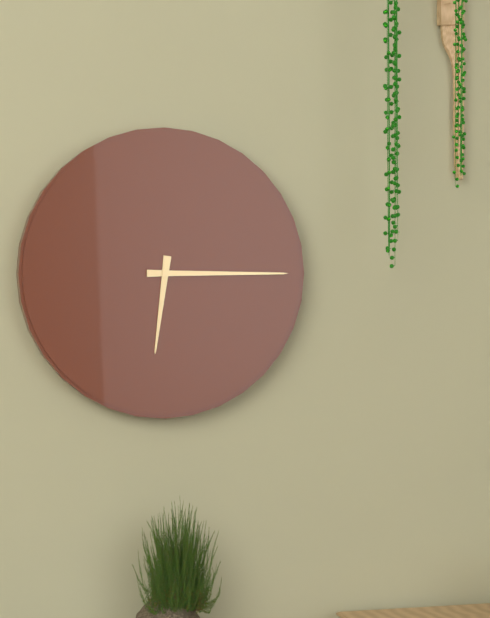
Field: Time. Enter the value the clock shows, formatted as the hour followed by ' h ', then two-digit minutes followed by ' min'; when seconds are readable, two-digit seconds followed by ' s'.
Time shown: 6 h 15 min
